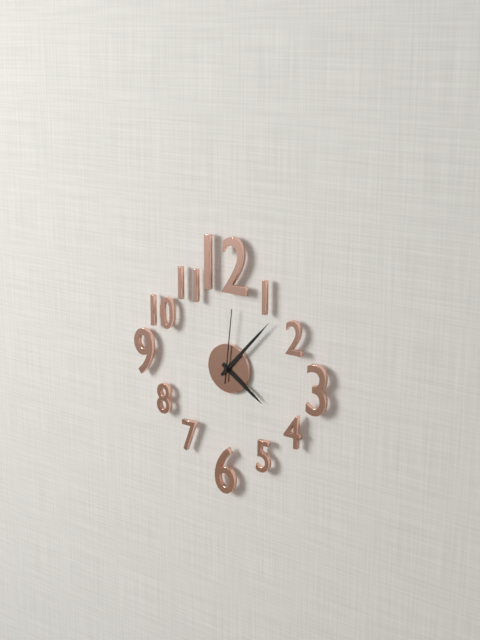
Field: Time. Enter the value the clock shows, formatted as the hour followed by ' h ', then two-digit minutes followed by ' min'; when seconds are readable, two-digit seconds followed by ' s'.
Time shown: 4 h 07 min 01 s
